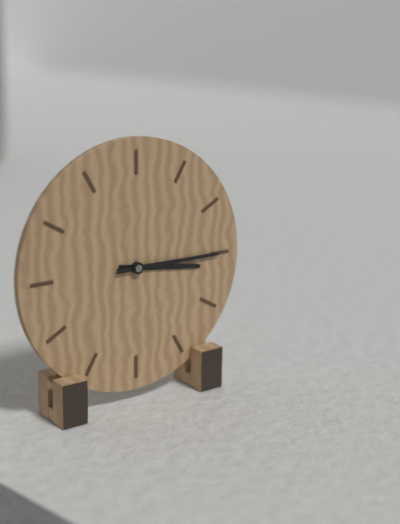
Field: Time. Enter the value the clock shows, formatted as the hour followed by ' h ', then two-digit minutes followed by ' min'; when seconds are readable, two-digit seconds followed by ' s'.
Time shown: 3 h 15 min
